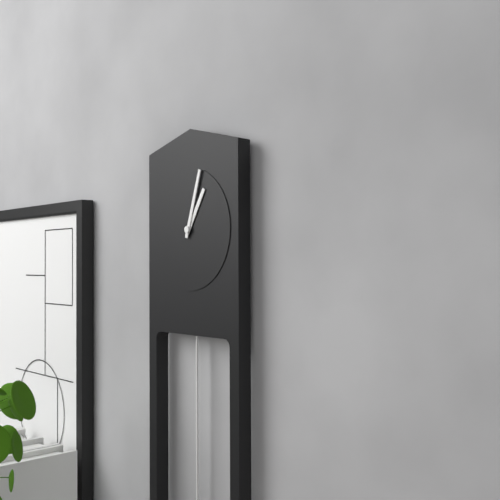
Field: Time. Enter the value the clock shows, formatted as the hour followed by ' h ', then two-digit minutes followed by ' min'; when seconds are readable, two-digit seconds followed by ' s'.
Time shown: 1 h 03 min
